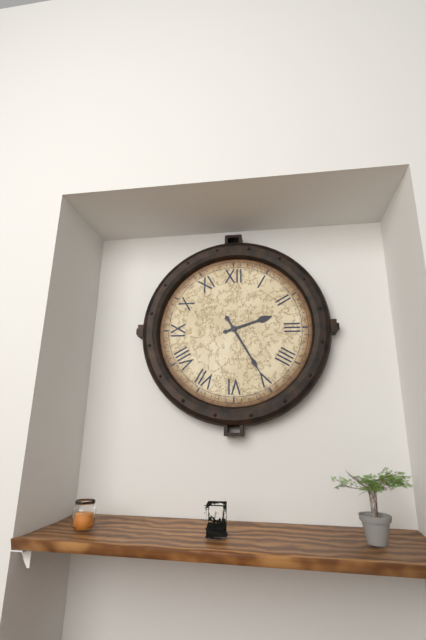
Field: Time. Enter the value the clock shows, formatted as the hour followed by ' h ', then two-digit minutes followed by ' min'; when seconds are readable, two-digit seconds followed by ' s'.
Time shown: 2 h 25 min
